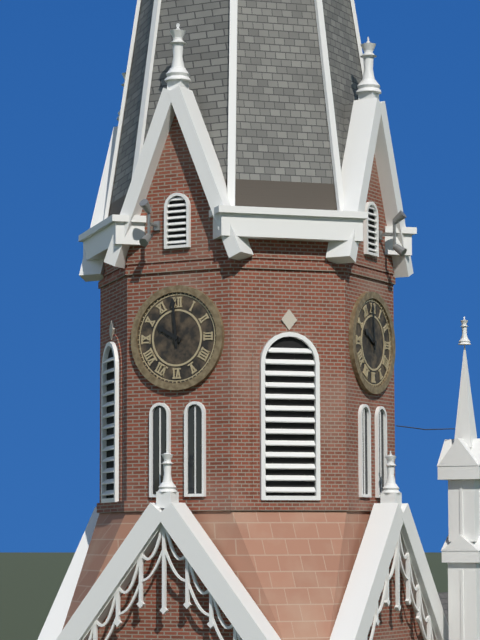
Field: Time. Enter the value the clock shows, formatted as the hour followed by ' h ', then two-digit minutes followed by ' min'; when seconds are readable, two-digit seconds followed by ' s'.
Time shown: 9 h 59 min
